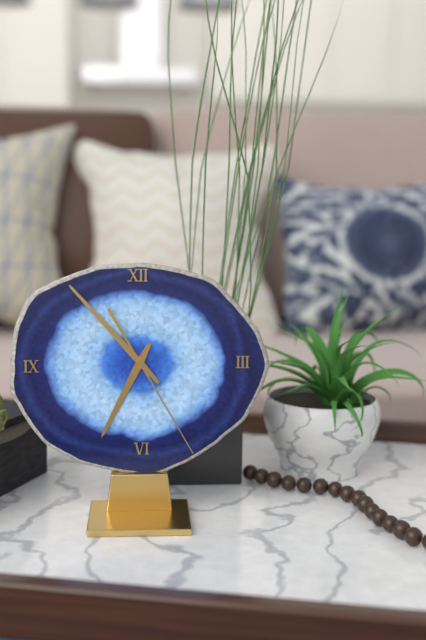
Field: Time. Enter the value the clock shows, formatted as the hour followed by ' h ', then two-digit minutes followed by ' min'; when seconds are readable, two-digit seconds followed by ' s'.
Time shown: 6 h 53 min 25 s
